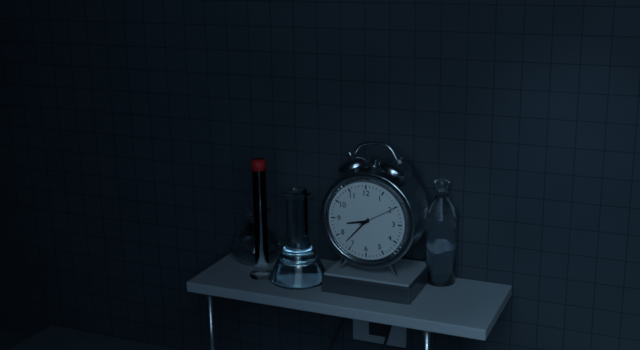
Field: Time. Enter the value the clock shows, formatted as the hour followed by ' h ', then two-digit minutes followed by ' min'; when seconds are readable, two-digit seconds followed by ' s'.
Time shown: 8 h 37 min
